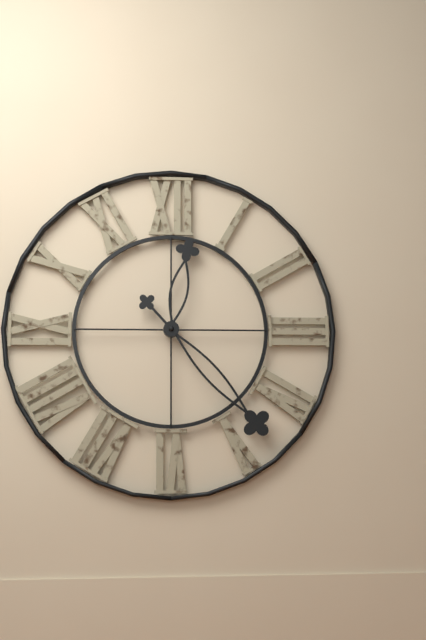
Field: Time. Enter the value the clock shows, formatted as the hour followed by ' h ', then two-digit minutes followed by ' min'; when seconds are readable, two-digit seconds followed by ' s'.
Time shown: 12 h 23 min
